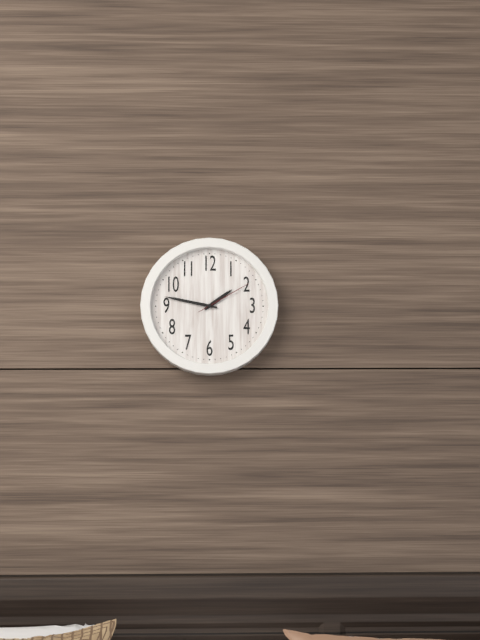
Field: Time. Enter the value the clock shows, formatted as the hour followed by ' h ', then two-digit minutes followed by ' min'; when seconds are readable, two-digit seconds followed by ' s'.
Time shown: 1 h 47 min 10 s
